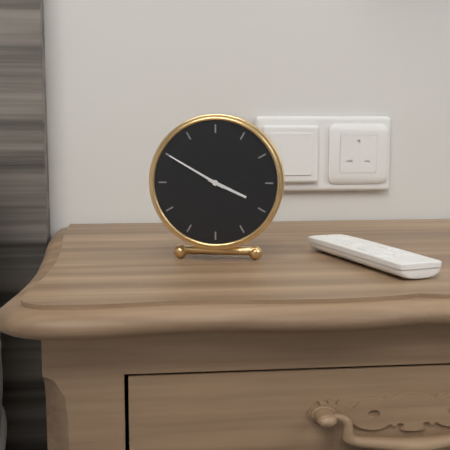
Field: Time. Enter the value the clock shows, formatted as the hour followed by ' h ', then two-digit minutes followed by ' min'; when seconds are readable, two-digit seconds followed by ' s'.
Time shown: 3 h 50 min
